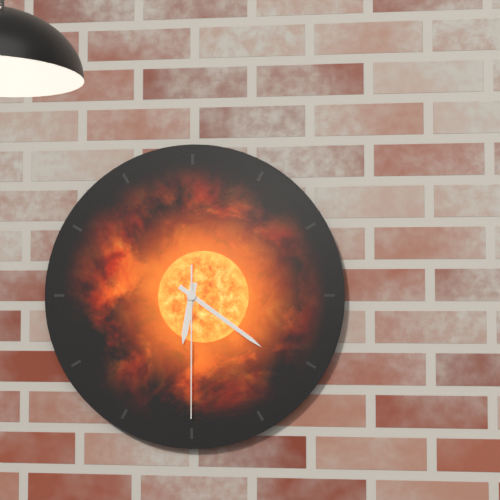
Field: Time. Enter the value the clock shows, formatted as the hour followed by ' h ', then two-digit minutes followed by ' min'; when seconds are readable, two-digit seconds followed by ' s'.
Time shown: 6 h 21 min 30 s
